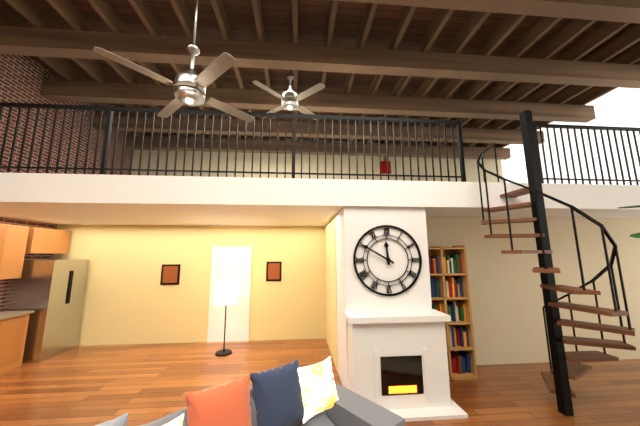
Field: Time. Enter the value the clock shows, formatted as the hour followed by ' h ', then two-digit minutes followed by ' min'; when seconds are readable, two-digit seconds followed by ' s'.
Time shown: 11 h 50 min
